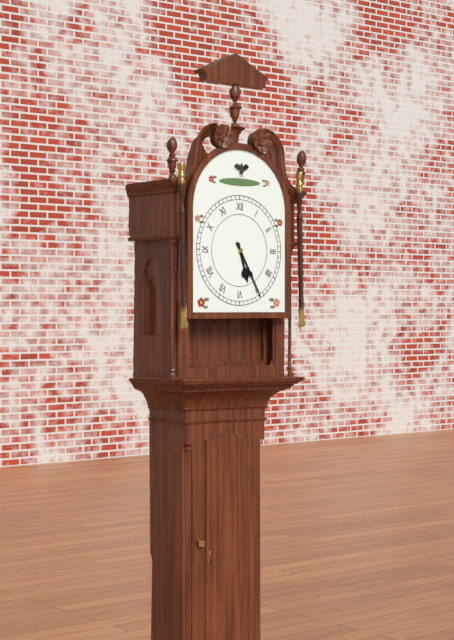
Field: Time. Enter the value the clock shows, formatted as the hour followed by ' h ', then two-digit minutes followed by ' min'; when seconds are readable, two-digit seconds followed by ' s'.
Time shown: 5 h 25 min
